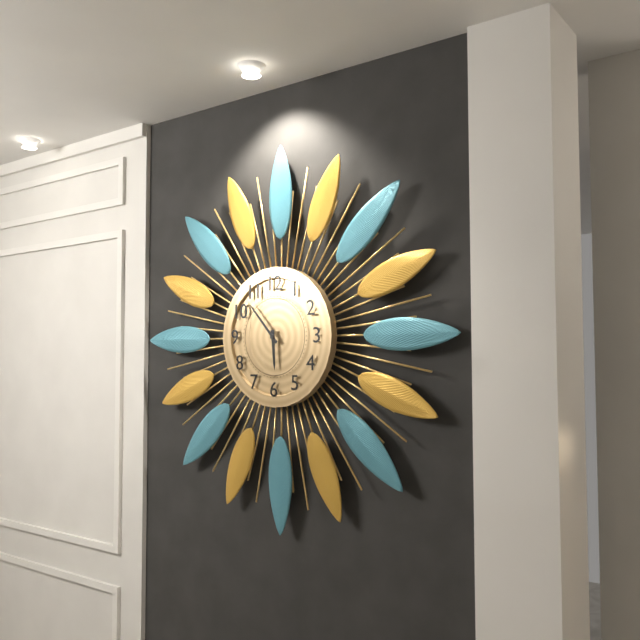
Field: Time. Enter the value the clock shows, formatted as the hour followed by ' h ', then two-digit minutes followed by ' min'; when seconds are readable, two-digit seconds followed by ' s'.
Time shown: 5 h 53 min
